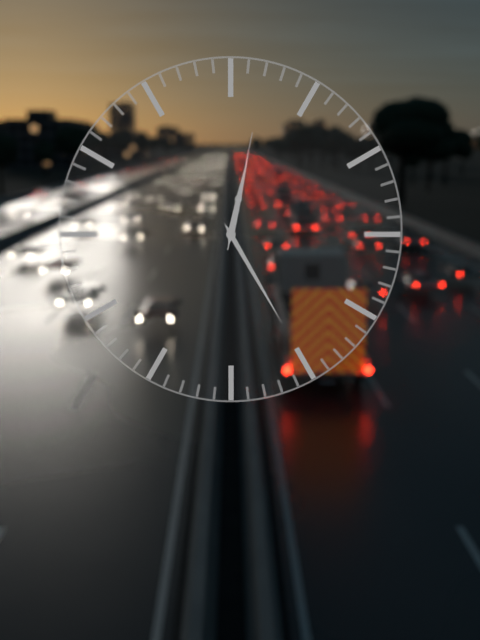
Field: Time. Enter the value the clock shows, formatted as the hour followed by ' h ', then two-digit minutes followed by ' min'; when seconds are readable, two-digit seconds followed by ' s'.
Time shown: 12 h 25 min 02 s
